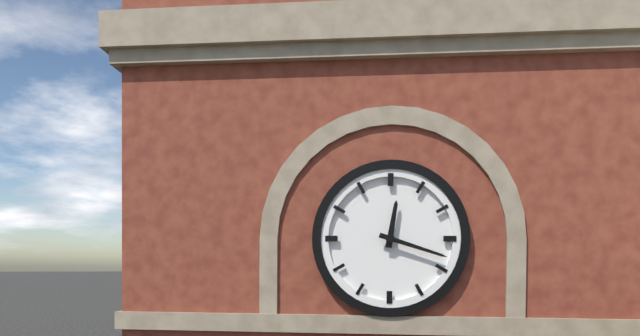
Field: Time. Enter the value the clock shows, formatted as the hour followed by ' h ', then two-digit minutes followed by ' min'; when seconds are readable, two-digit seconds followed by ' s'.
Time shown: 12 h 18 min
